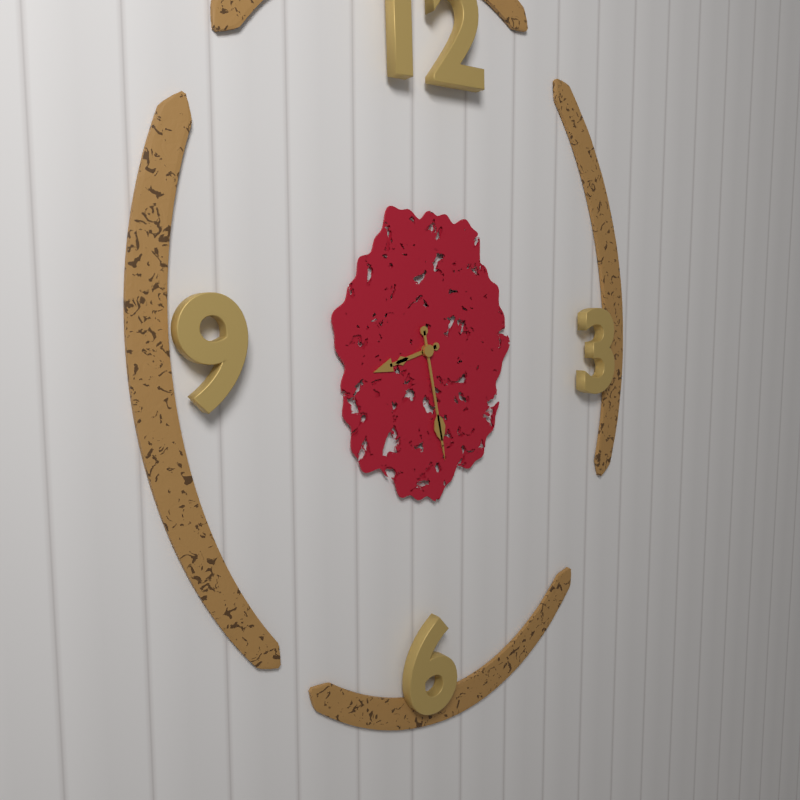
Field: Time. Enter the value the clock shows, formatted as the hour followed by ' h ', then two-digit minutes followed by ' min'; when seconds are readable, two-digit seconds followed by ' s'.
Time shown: 8 h 28 min
